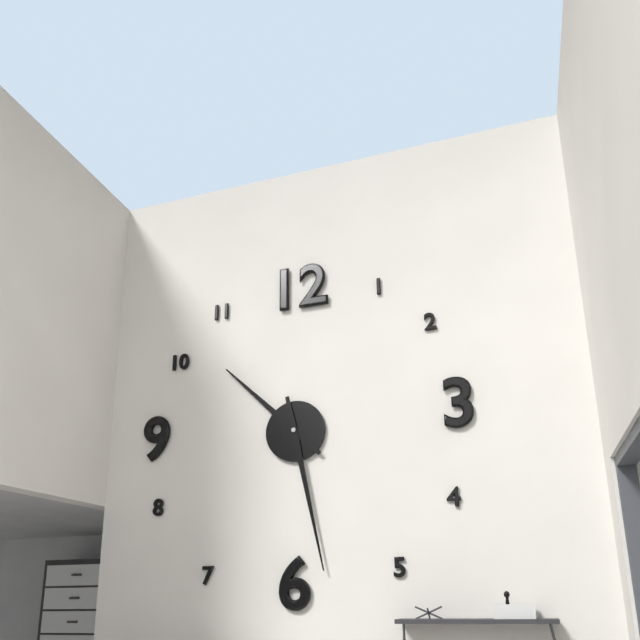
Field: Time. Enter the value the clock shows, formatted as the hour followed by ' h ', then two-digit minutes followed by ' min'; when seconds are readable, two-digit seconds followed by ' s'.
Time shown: 10 h 28 min
